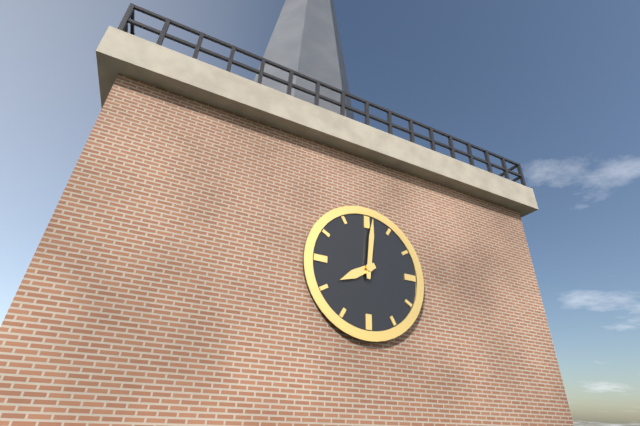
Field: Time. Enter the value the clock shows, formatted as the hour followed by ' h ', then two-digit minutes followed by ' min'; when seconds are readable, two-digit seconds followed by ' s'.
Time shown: 8 h 01 min
